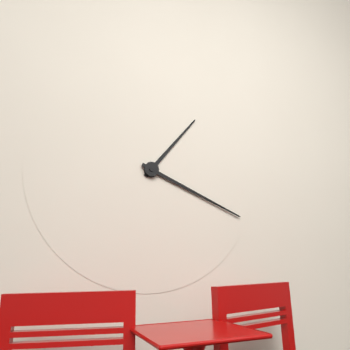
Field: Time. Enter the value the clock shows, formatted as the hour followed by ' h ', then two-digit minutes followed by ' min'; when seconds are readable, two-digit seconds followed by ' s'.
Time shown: 1 h 19 min
